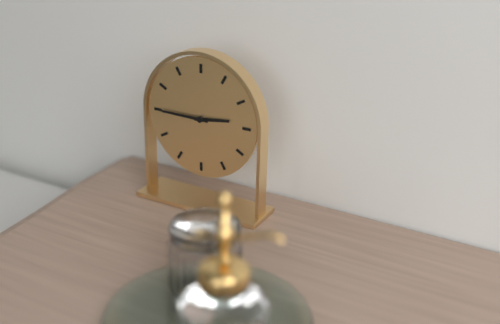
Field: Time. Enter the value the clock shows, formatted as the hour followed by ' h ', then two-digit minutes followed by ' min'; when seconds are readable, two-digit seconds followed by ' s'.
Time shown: 2 h 45 min
